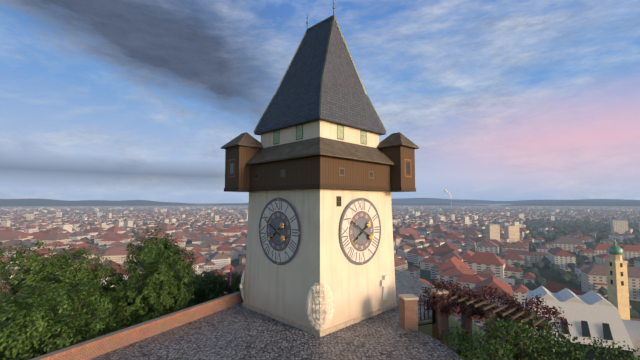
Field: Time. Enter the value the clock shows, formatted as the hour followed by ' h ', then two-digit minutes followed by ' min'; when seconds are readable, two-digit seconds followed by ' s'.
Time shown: 7 h 50 min
